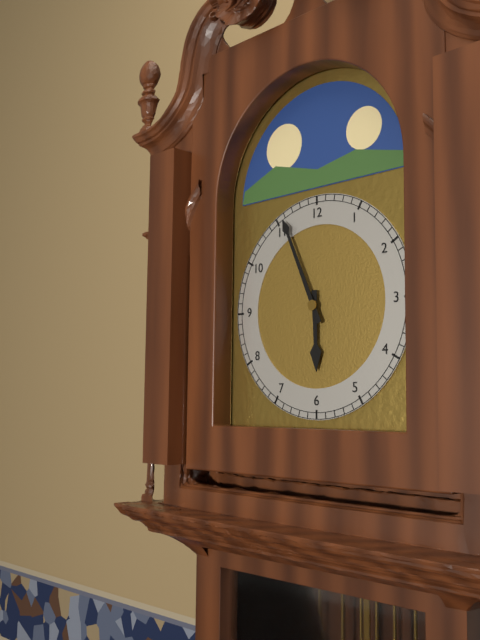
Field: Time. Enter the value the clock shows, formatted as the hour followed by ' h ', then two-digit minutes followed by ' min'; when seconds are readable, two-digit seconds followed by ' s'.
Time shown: 5 h 56 min
